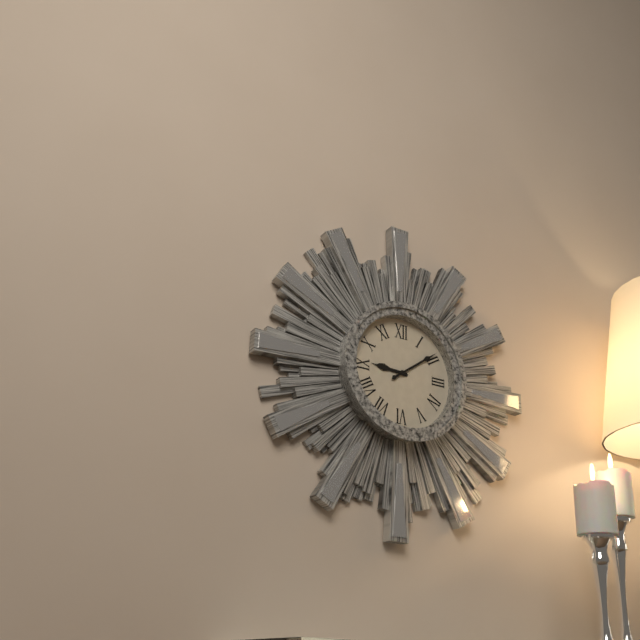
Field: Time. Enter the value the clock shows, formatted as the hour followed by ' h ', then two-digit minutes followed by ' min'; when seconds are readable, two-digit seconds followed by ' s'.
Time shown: 9 h 09 min
